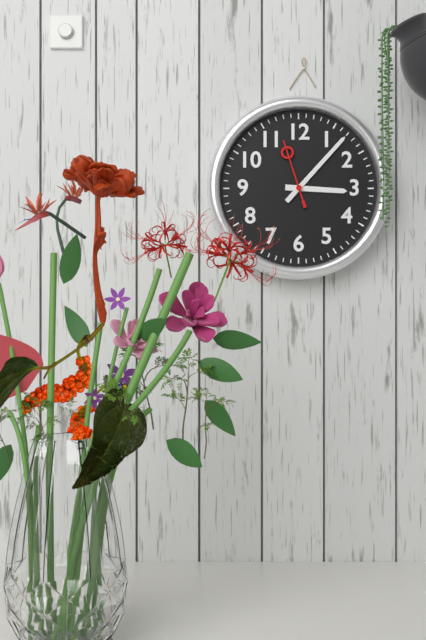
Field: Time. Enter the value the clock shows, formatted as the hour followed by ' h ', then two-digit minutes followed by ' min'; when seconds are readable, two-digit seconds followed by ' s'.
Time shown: 3 h 07 min 57 s
